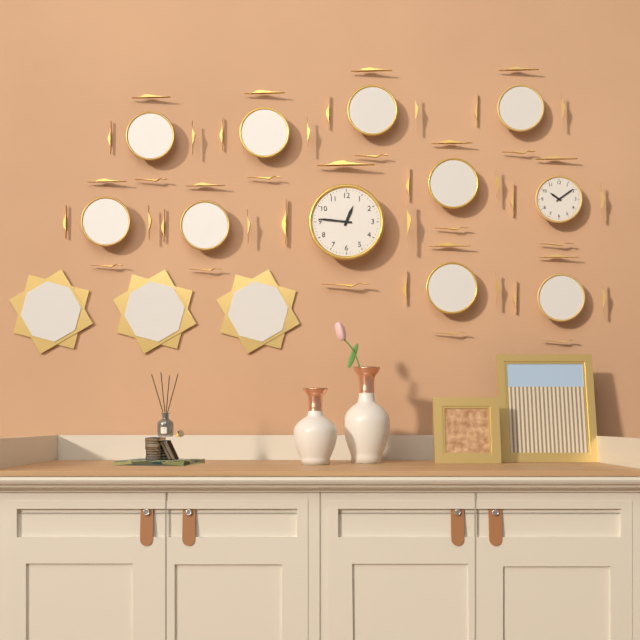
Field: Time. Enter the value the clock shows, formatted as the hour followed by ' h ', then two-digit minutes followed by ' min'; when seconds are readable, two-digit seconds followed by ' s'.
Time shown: 12 h 46 min
